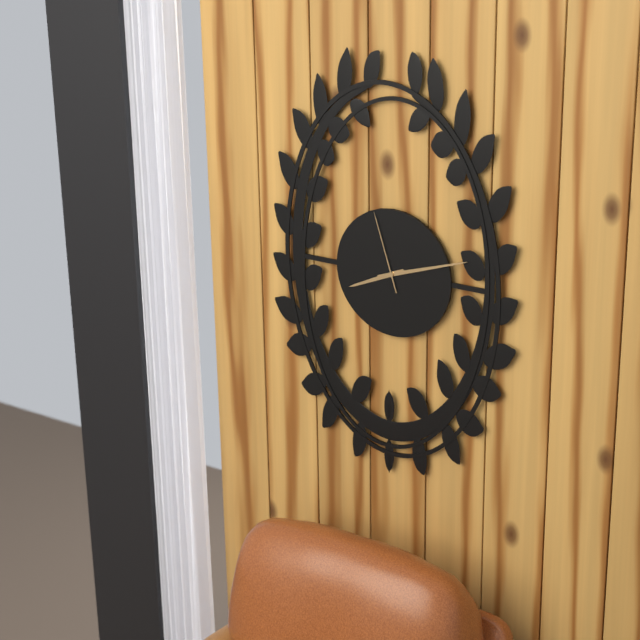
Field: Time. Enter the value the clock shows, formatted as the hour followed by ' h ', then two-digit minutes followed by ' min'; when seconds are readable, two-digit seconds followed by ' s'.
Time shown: 8 h 12 min 57 s
